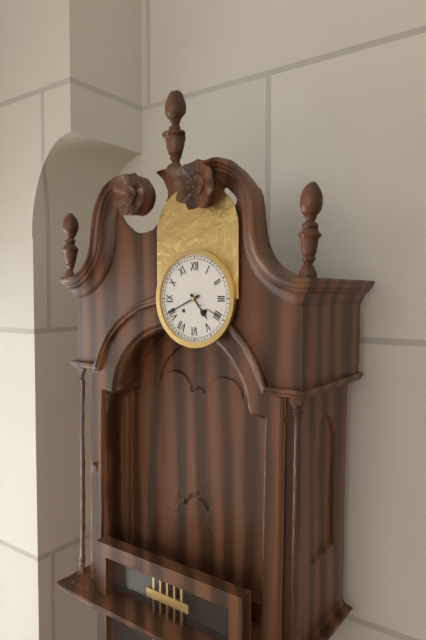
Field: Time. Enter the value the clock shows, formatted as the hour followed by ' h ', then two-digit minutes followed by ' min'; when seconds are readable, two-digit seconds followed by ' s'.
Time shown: 4 h 41 min
